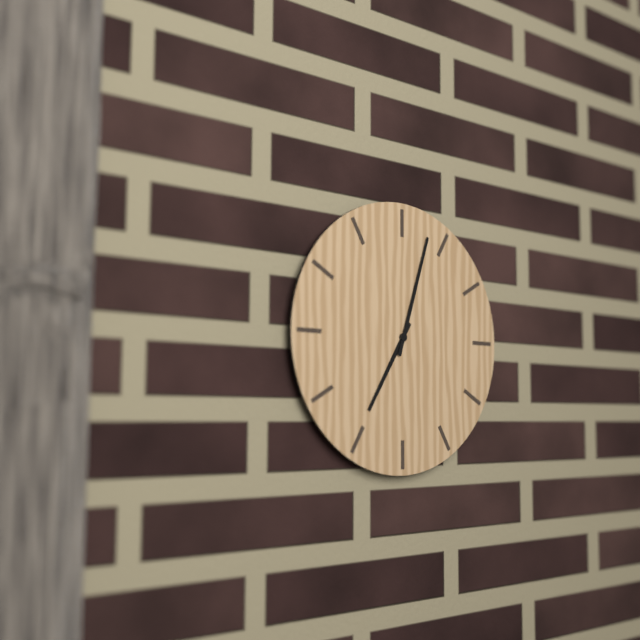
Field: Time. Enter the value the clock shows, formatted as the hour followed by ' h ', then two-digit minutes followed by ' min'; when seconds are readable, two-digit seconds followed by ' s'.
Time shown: 7 h 03 min
